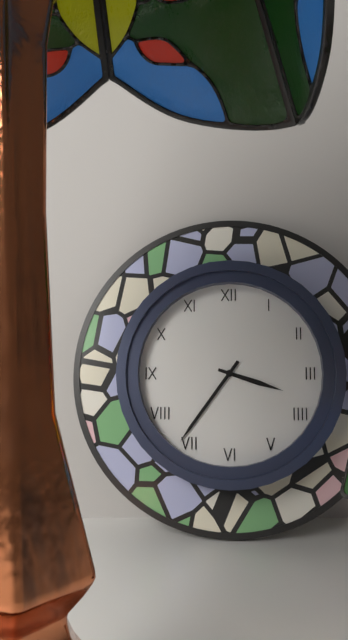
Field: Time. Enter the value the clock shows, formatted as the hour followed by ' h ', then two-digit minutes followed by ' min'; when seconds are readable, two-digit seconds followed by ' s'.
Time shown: 3 h 36 min
